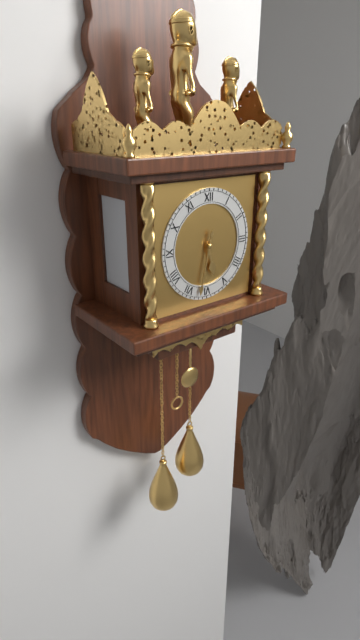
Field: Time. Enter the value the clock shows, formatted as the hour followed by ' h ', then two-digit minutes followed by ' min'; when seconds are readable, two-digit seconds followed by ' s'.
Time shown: 5 h 32 min
